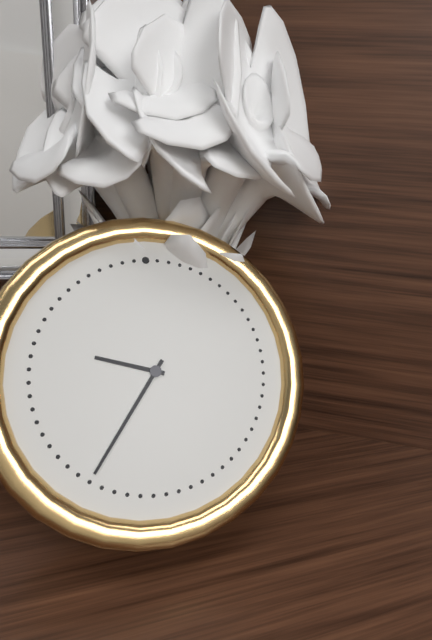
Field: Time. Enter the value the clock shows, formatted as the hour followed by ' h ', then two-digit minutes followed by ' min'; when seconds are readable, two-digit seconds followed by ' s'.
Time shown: 9 h 36 min
